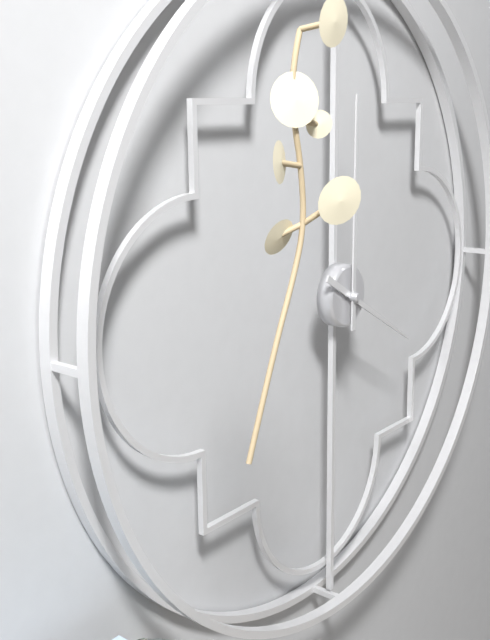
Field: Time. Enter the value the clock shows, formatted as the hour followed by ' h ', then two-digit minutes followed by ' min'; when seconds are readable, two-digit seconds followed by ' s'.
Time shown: 4 h 00 min
